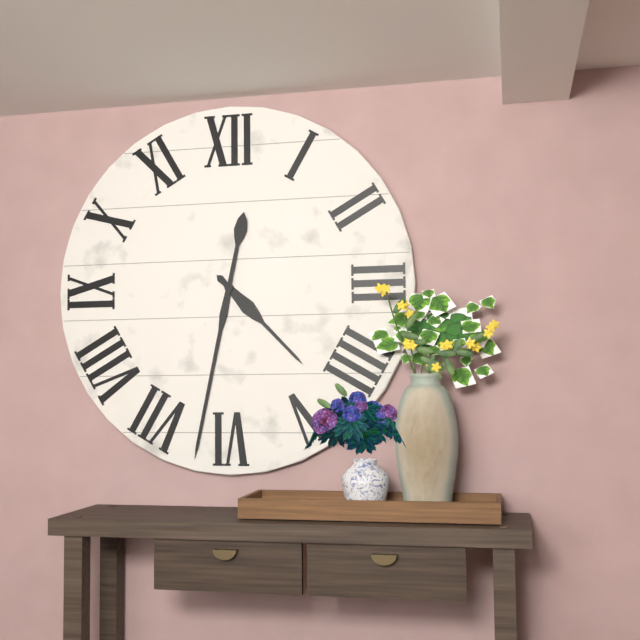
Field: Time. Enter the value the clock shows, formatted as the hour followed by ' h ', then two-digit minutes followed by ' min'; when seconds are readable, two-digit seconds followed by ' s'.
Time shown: 4 h 32 min
